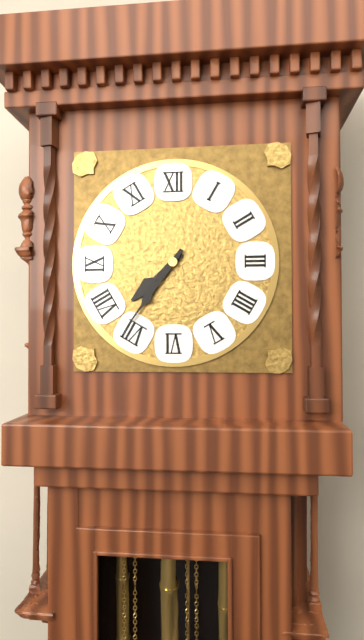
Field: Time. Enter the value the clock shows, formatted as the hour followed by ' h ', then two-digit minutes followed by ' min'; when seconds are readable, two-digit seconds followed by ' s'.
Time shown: 7 h 36 min
